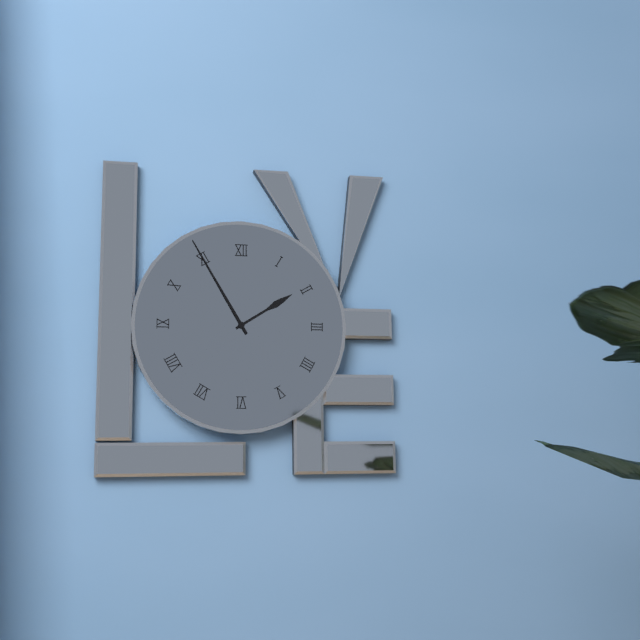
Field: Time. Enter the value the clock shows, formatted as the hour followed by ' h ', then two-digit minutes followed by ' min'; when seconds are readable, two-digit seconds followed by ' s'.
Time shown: 1 h 55 min
